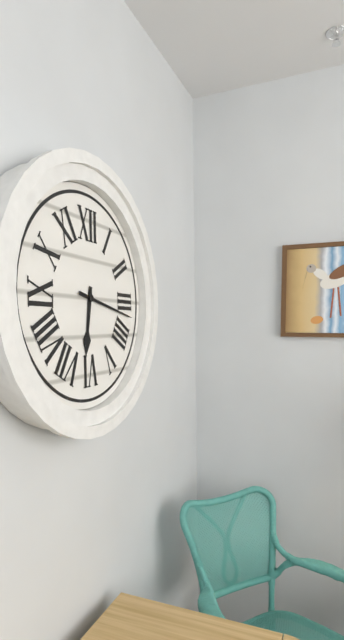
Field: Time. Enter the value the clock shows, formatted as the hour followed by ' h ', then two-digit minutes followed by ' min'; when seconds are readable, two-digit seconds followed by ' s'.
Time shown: 6 h 17 min
